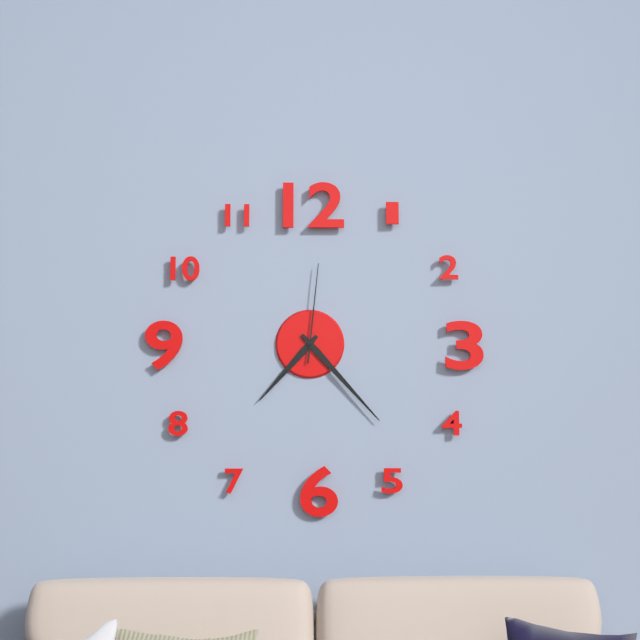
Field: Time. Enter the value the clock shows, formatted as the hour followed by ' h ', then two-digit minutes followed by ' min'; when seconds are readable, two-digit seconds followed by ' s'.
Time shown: 7 h 23 min 01 s
